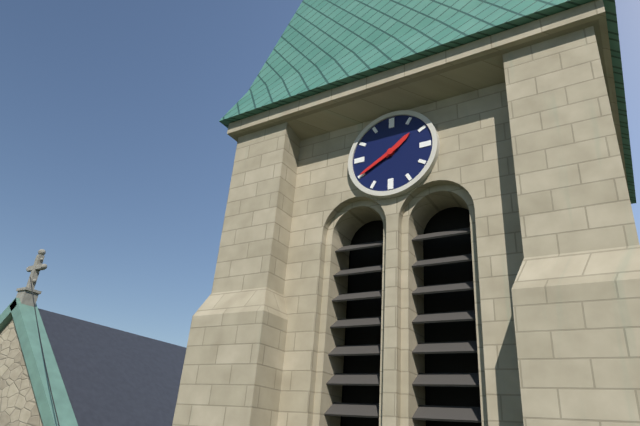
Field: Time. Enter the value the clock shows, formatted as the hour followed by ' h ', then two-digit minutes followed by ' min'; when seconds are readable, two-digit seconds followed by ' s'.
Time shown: 1 h 40 min
